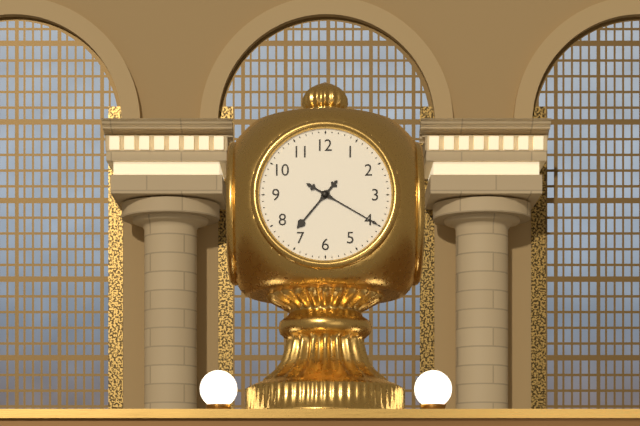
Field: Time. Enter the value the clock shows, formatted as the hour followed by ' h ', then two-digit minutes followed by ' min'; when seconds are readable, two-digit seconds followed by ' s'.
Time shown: 7 h 20 min
